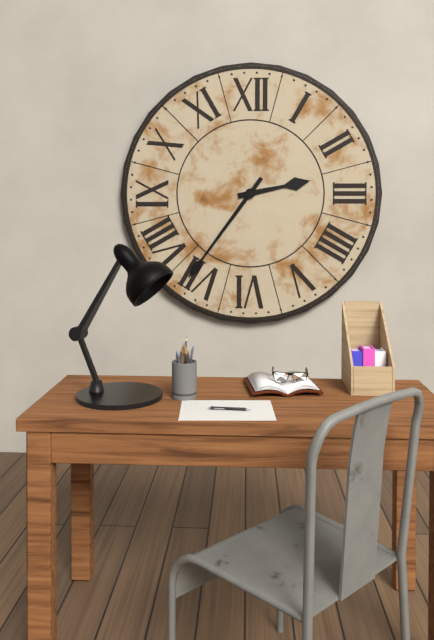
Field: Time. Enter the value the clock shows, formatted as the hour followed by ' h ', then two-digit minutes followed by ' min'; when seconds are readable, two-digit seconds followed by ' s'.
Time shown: 2 h 36 min
